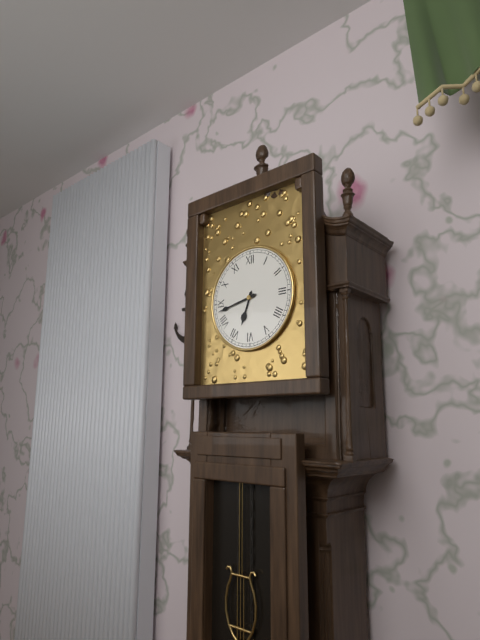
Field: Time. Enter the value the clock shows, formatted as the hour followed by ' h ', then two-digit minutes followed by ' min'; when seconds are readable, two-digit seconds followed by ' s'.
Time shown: 6 h 43 min
